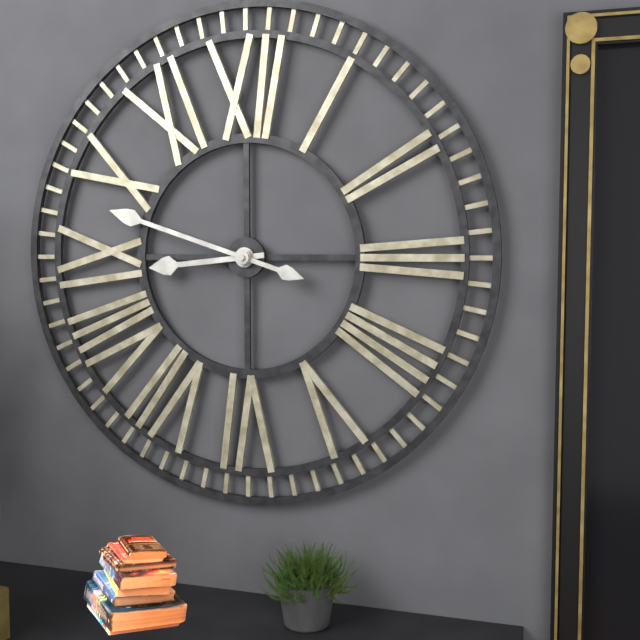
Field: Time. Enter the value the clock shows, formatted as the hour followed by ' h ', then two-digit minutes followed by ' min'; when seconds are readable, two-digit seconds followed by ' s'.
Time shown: 8 h 48 min
